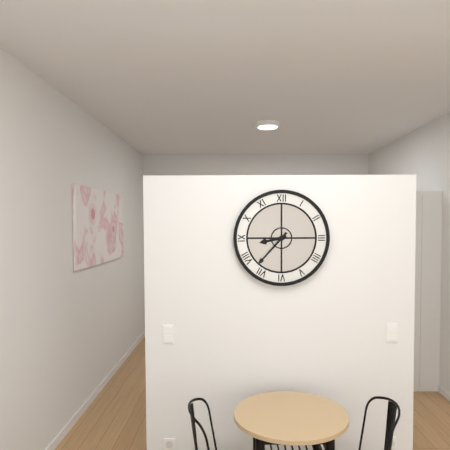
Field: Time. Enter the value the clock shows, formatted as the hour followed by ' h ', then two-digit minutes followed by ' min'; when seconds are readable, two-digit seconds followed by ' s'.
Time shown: 8 h 37 min
